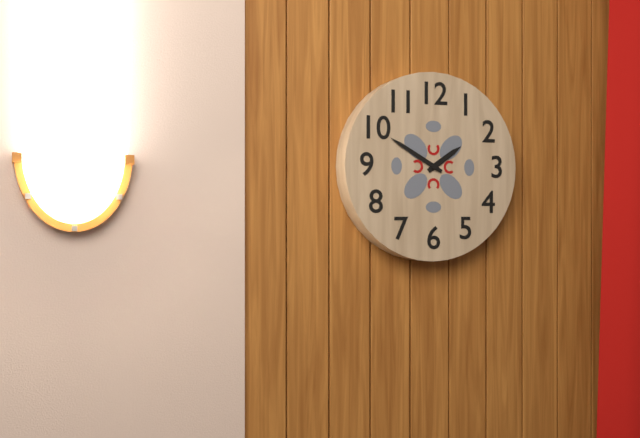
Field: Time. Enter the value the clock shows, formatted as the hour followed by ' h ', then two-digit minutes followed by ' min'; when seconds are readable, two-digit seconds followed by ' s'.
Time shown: 1 h 50 min
